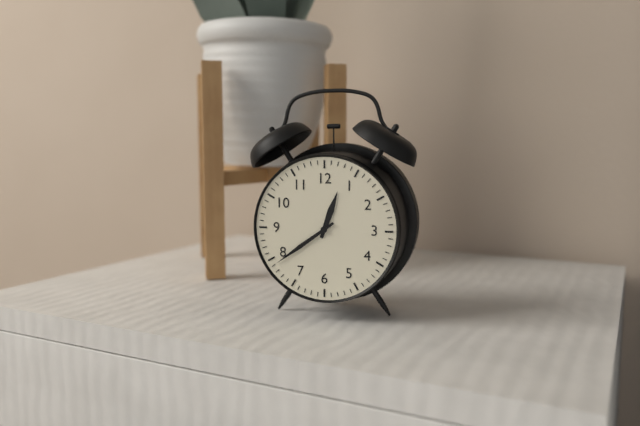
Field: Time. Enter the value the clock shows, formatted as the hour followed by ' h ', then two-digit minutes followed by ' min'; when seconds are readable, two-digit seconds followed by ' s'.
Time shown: 12 h 39 min
